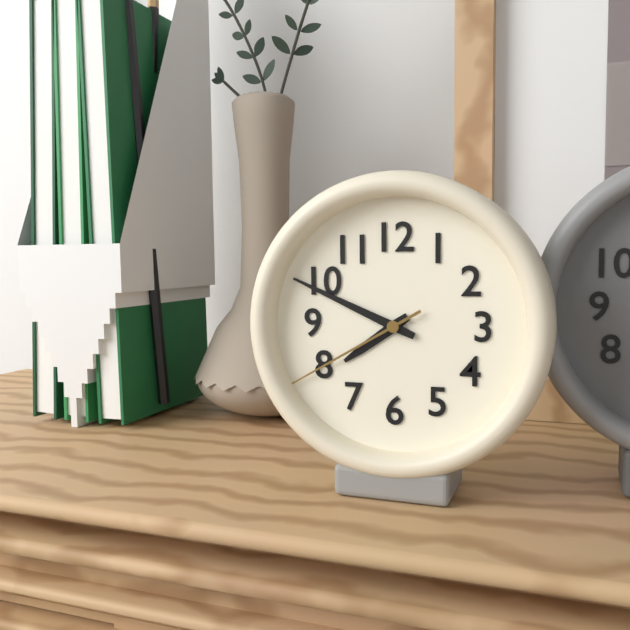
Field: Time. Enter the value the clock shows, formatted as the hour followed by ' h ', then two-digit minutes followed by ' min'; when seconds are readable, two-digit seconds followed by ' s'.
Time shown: 7 h 49 min 40 s
